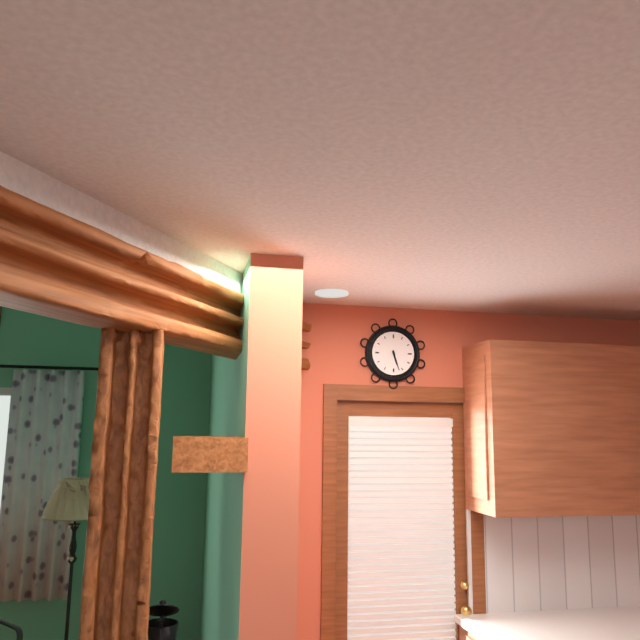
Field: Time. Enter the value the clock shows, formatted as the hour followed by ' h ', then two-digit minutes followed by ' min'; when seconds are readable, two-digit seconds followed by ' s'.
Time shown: 5 h 27 min
